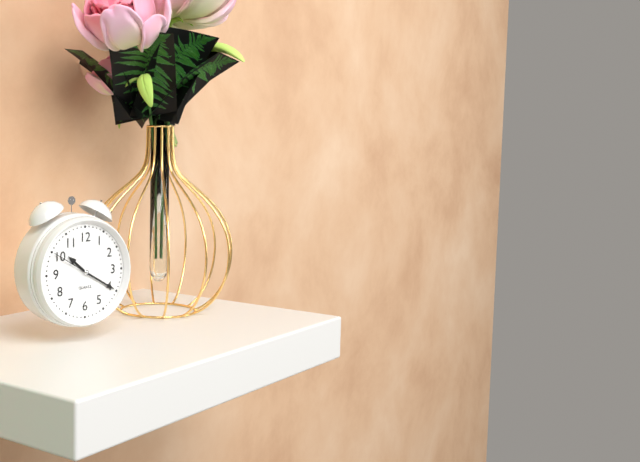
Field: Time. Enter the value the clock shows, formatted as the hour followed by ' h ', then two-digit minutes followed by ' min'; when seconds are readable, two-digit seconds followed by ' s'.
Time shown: 10 h 20 min
